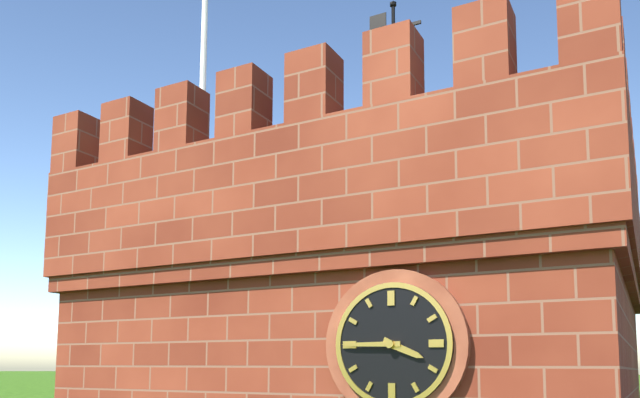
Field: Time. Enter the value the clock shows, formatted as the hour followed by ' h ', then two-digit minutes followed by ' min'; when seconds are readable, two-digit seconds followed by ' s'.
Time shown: 3 h 45 min
